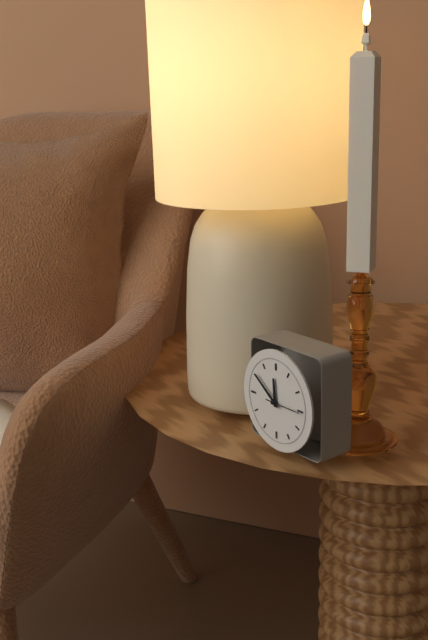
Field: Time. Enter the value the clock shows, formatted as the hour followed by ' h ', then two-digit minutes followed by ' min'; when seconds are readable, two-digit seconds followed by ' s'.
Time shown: 11 h 51 min
